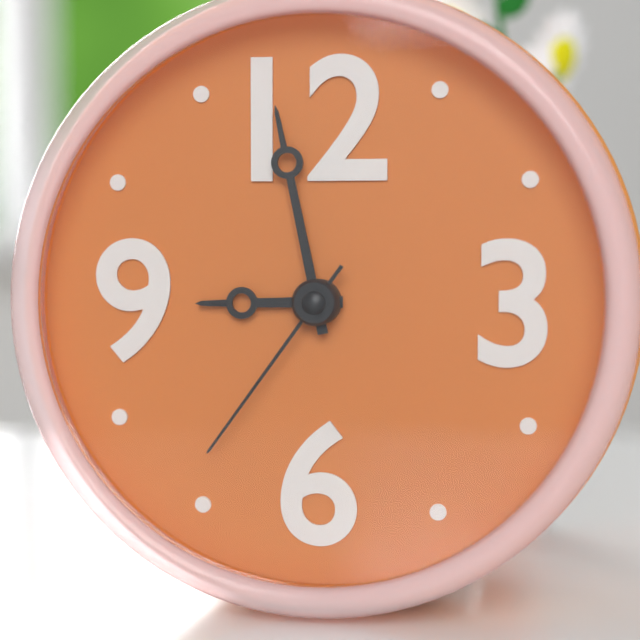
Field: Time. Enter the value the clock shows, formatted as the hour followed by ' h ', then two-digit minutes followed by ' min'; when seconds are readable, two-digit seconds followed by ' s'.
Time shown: 8 h 58 min 36 s
